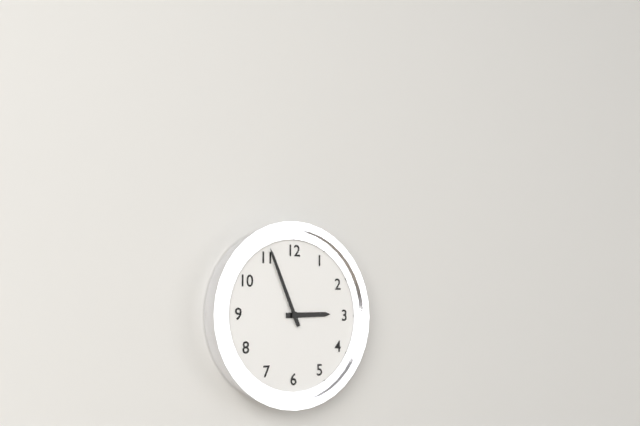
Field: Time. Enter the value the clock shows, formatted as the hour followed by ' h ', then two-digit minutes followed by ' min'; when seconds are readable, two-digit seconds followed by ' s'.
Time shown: 2 h 56 min
